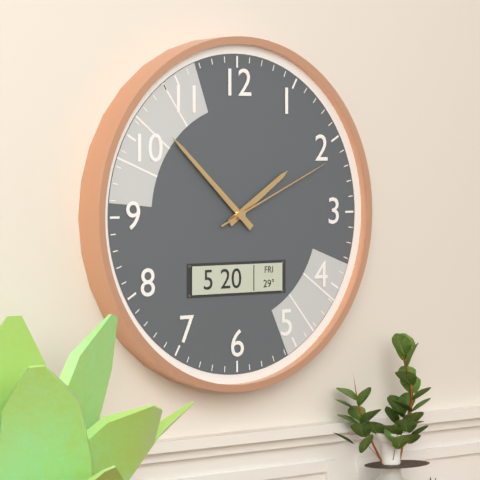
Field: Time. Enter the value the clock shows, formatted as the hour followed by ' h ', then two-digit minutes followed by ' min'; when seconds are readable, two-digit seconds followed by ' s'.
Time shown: 1 h 52 min 11 s
